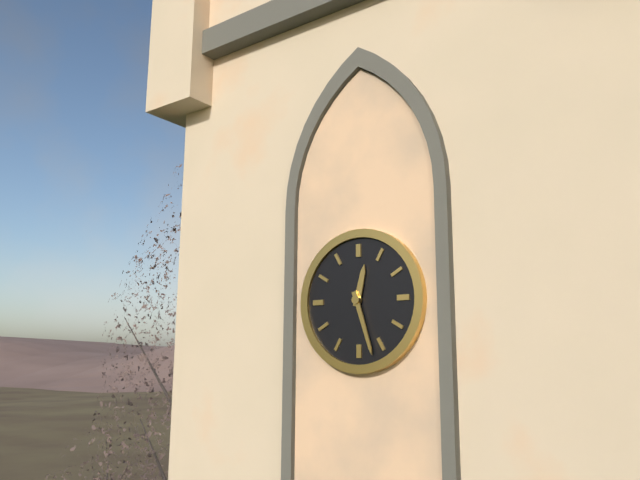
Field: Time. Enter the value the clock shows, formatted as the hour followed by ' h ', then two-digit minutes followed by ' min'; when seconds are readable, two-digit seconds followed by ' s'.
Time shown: 12 h 27 min
